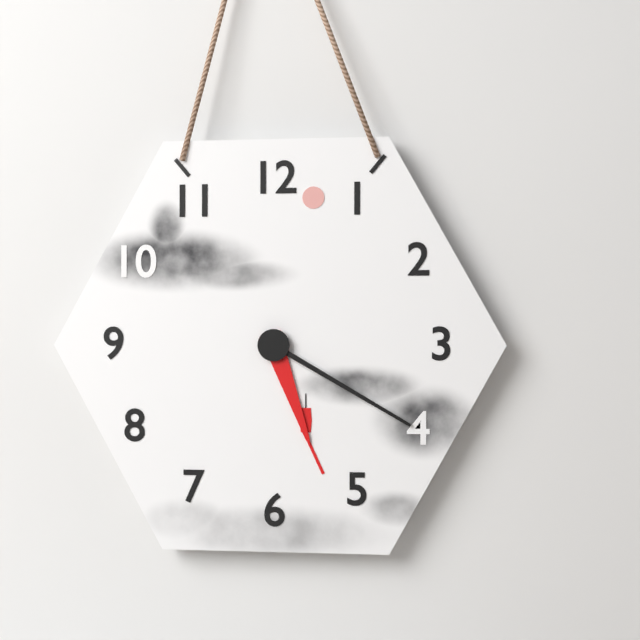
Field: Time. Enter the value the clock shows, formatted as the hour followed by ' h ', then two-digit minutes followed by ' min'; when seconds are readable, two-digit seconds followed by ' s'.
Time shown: 5 h 20 min
